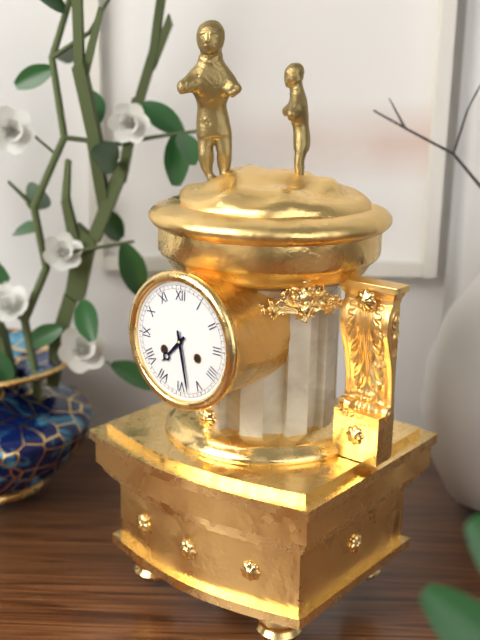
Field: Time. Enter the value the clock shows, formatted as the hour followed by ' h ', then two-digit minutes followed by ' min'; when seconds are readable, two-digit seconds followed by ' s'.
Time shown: 7 h 28 min
